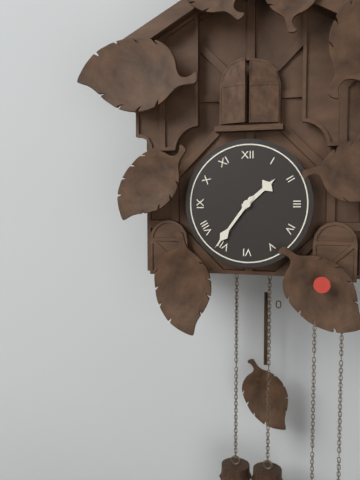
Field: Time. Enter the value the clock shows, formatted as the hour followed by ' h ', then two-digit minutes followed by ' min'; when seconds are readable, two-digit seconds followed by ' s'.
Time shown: 1 h 36 min
